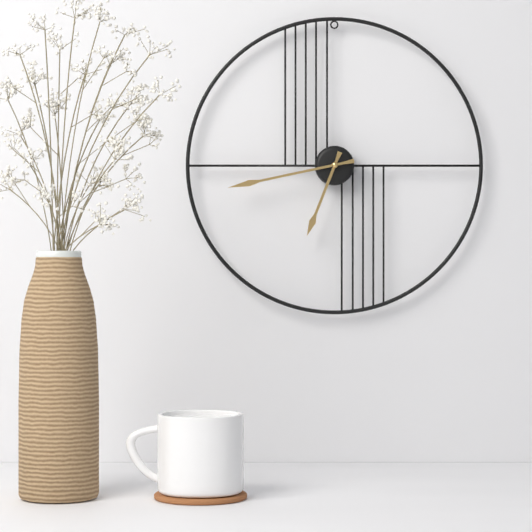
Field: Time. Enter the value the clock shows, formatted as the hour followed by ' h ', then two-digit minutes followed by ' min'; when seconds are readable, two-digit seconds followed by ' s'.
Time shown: 6 h 43 min
